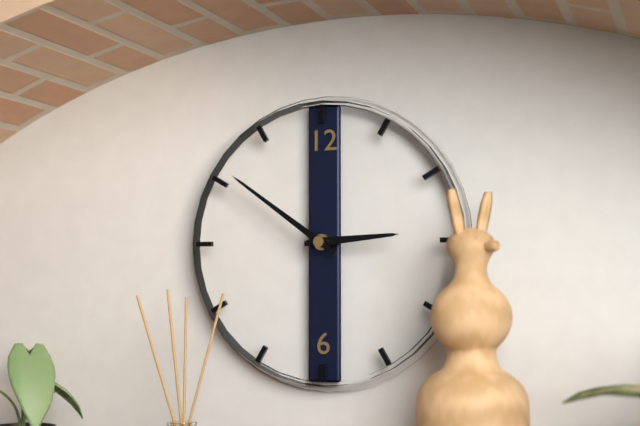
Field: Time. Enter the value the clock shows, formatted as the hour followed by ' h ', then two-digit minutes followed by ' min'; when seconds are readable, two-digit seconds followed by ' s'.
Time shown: 2 h 51 min
